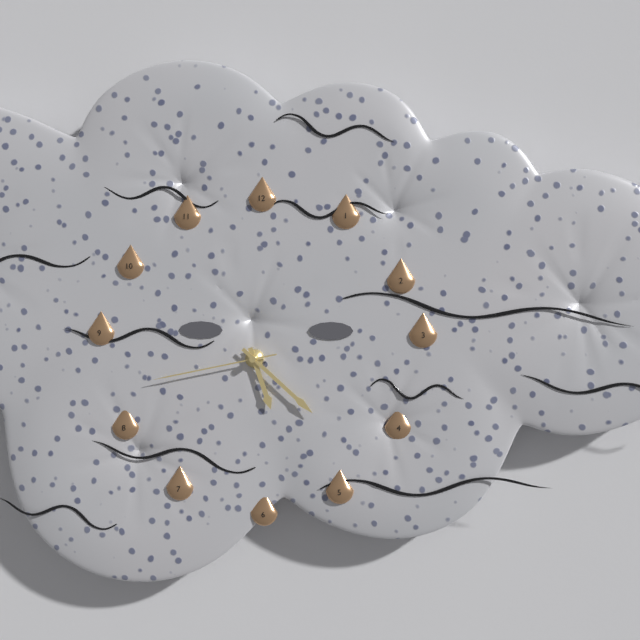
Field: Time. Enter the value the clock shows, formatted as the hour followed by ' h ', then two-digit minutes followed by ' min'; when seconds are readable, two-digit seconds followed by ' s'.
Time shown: 5 h 22 min 43 s
